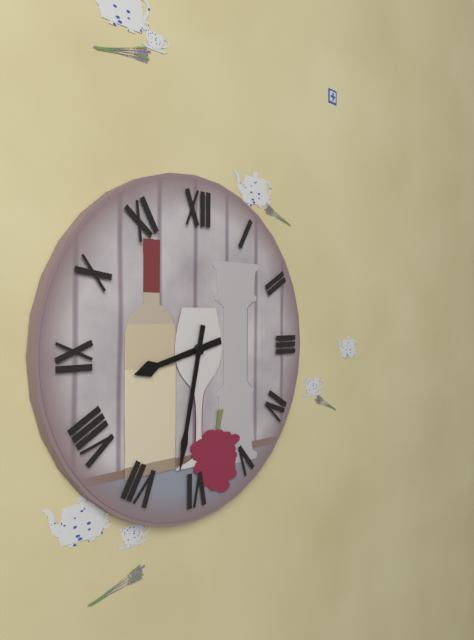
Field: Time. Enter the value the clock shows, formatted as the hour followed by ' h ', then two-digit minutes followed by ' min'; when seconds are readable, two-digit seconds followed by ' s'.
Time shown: 8 h 32 min
